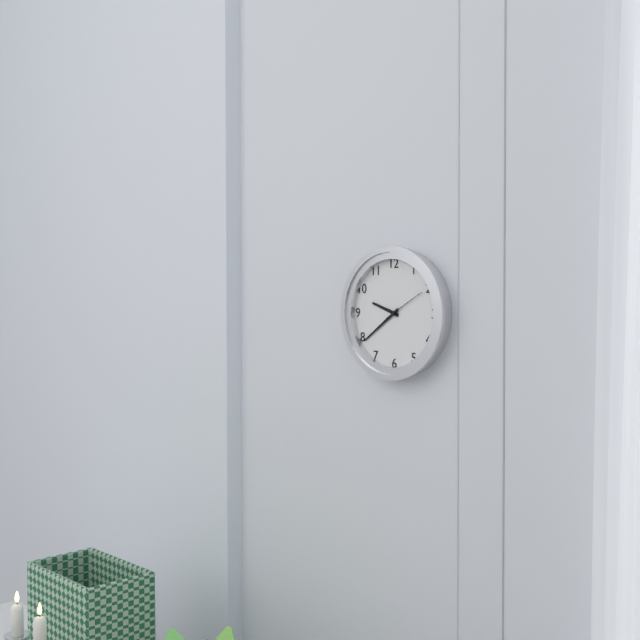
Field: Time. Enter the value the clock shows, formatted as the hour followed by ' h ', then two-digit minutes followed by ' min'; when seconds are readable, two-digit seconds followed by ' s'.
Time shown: 9 h 39 min
